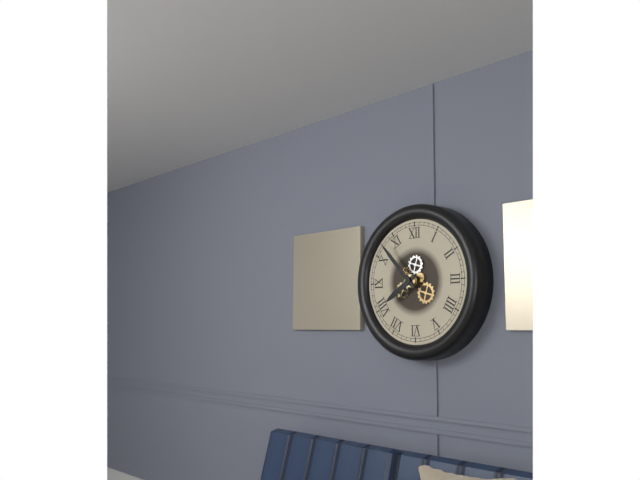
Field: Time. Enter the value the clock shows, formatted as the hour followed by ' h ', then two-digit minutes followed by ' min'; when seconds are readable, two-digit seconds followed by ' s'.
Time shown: 7 h 53 min
